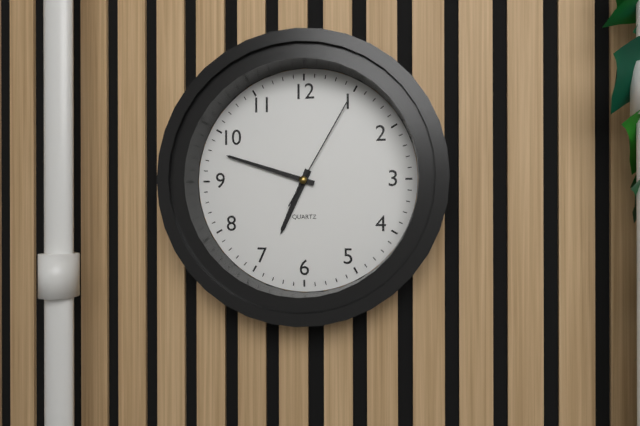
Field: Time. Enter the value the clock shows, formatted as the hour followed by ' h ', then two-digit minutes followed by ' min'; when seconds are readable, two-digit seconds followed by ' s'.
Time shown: 6 h 48 min 05 s
